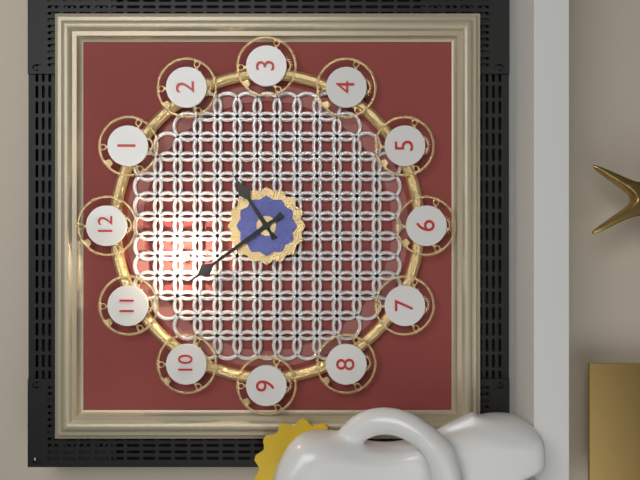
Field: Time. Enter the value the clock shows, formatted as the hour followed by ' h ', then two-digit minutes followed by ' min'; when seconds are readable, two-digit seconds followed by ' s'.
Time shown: 1 h 54 min
